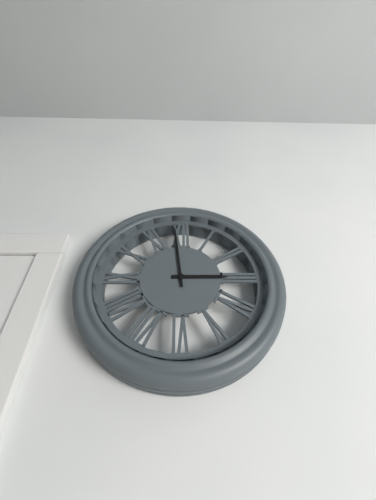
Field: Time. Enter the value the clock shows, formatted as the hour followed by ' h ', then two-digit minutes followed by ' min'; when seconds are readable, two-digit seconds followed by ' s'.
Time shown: 2 h 59 min
